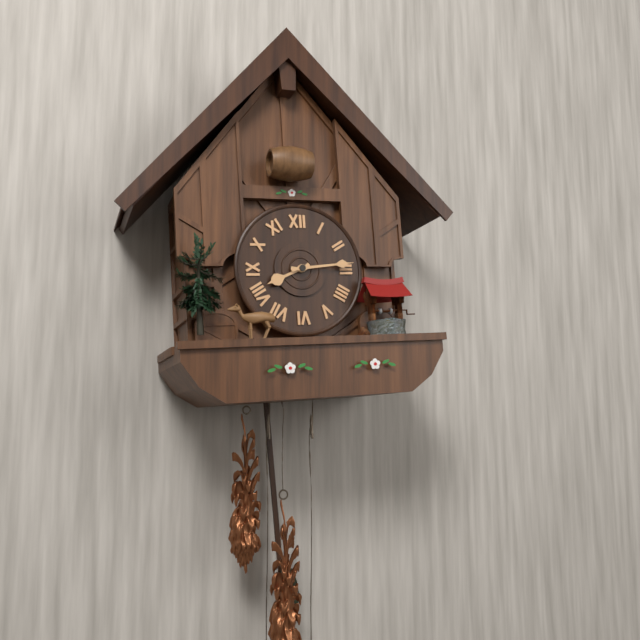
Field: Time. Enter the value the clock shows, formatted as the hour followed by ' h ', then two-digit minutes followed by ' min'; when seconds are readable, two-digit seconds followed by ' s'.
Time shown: 8 h 14 min
